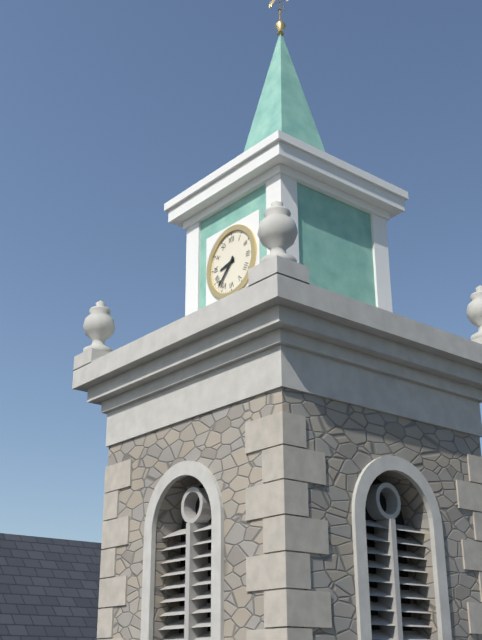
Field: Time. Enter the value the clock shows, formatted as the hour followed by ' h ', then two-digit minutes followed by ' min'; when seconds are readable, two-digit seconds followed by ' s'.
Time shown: 8 h 37 min
